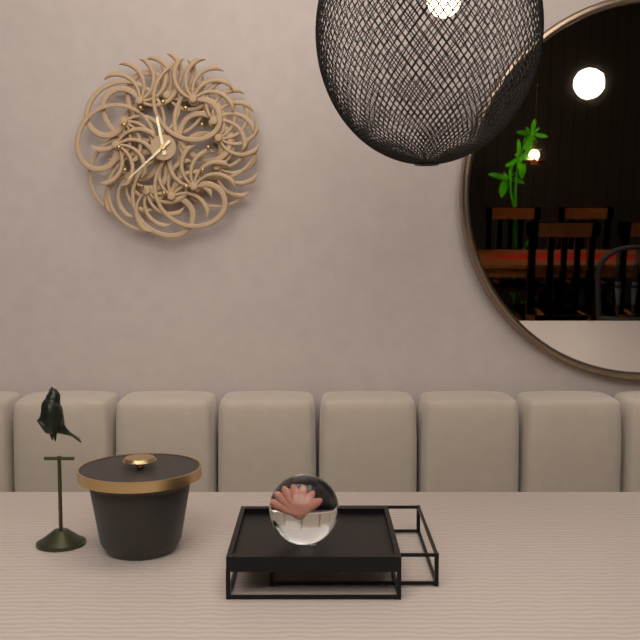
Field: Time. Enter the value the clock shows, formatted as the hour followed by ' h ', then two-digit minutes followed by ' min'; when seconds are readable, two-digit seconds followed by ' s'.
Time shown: 11 h 38 min
